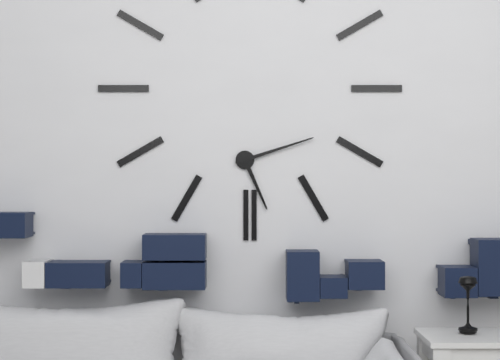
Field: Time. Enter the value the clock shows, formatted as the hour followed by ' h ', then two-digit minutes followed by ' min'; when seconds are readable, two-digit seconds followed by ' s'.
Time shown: 5 h 12 min
